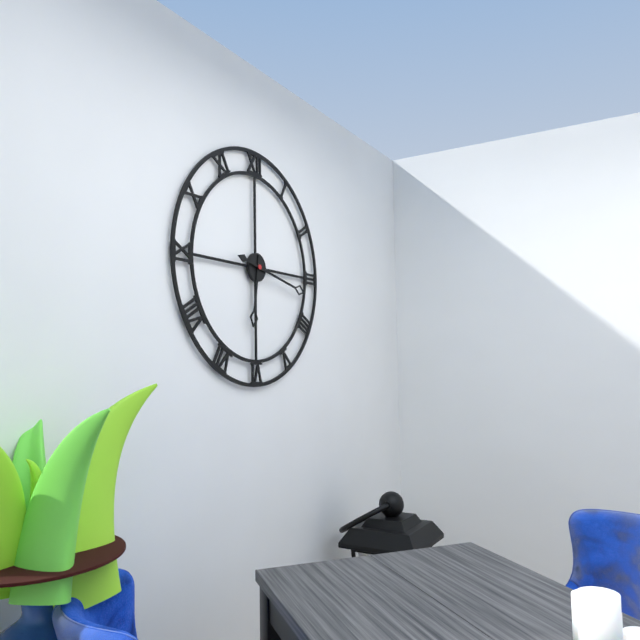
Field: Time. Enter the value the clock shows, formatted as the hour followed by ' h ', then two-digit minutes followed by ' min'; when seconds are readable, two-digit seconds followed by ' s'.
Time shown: 6 h 17 min
